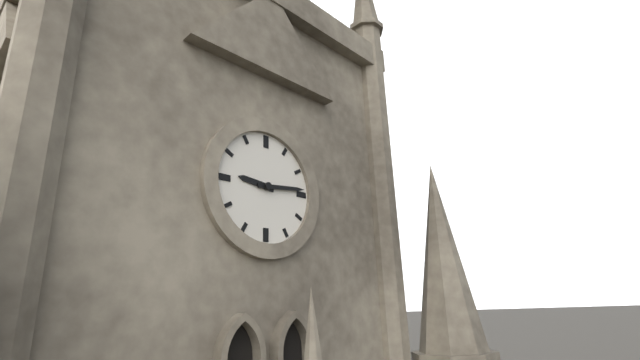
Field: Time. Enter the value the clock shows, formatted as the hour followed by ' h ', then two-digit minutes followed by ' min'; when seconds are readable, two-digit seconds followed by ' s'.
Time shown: 9 h 14 min
